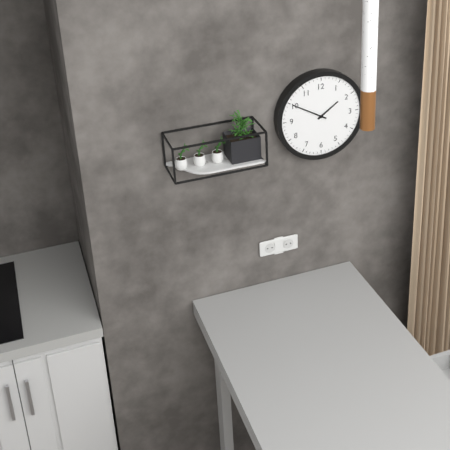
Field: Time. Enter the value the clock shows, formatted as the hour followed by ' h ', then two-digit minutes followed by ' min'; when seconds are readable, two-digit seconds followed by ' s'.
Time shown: 1 h 50 min
